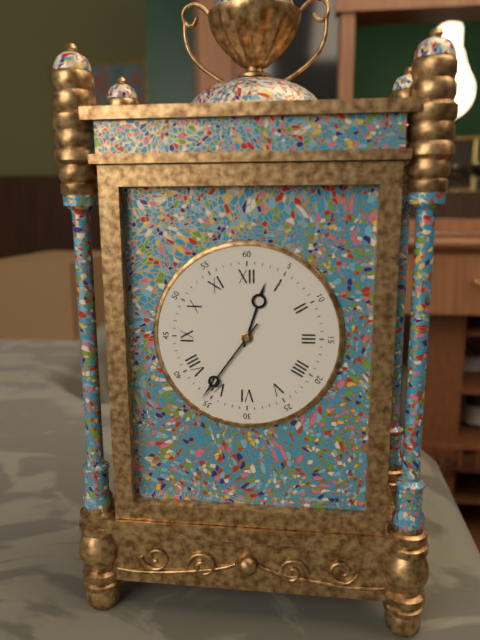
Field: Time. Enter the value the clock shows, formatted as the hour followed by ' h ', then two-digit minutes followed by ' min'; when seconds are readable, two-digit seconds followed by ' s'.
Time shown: 12 h 36 min
